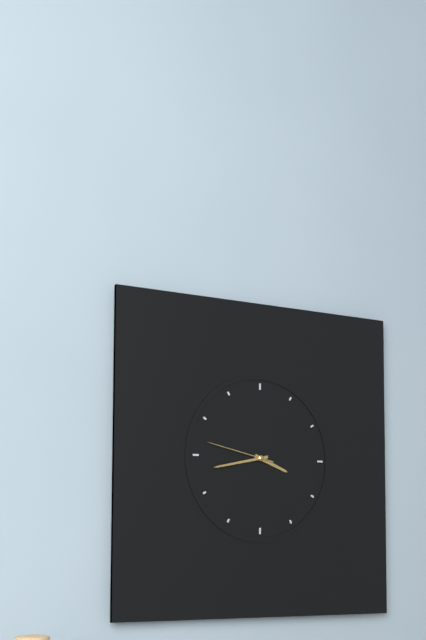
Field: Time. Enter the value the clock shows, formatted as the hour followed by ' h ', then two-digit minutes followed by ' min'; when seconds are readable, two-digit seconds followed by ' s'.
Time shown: 3 h 43 min 47 s
